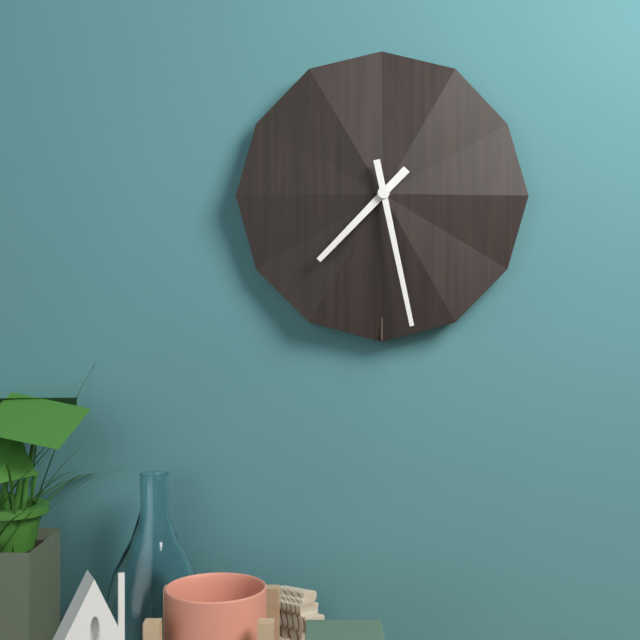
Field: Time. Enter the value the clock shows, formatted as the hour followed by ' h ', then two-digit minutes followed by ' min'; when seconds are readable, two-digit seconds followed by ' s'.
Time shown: 7 h 28 min
